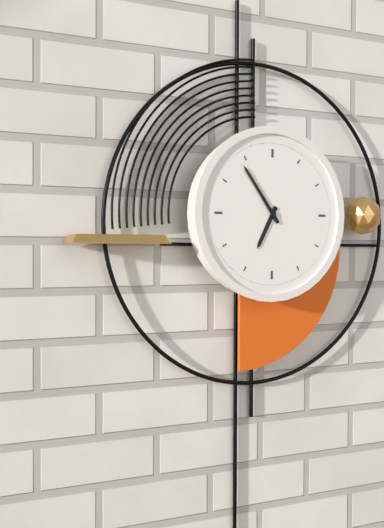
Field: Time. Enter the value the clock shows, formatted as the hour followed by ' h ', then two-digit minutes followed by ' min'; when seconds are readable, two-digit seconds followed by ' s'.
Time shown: 6 h 54 min
